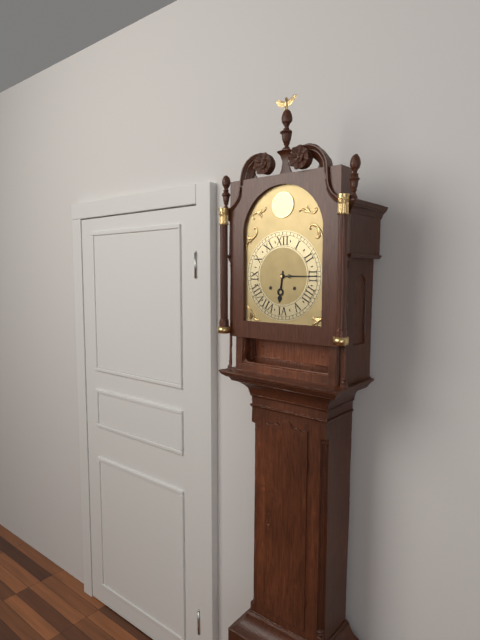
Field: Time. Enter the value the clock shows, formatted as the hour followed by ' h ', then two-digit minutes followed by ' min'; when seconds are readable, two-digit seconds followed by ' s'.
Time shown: 6 h 15 min
